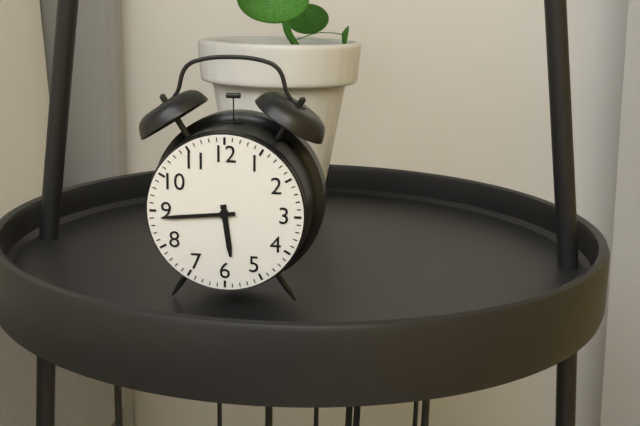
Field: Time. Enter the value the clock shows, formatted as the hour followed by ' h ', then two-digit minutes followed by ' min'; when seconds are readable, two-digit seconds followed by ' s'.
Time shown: 5 h 44 min
